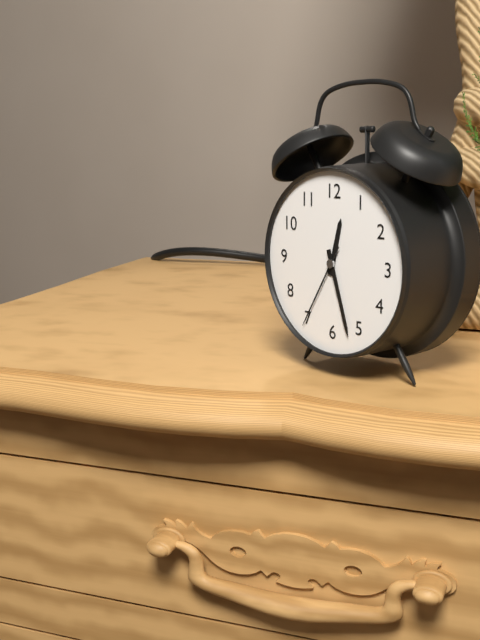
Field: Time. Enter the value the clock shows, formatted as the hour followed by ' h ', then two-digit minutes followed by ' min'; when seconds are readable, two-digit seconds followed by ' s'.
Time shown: 12 h 27 min 35 s
